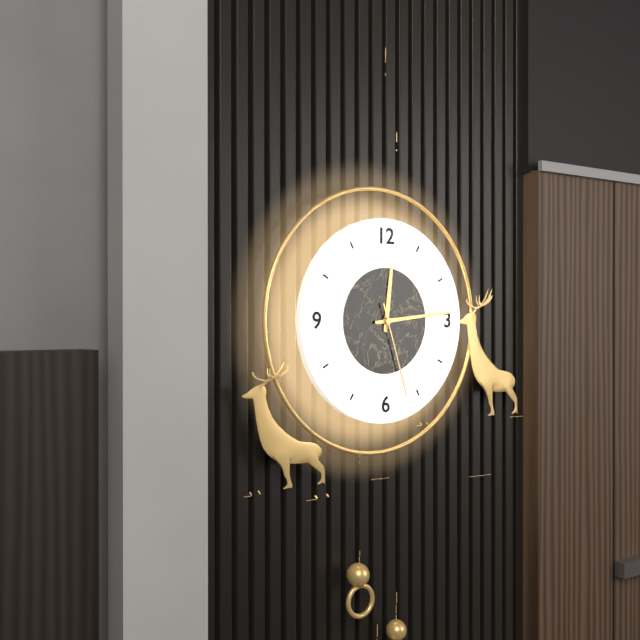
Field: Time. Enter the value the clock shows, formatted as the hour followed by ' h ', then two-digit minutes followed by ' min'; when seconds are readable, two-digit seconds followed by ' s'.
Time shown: 12 h 14 min 27 s
